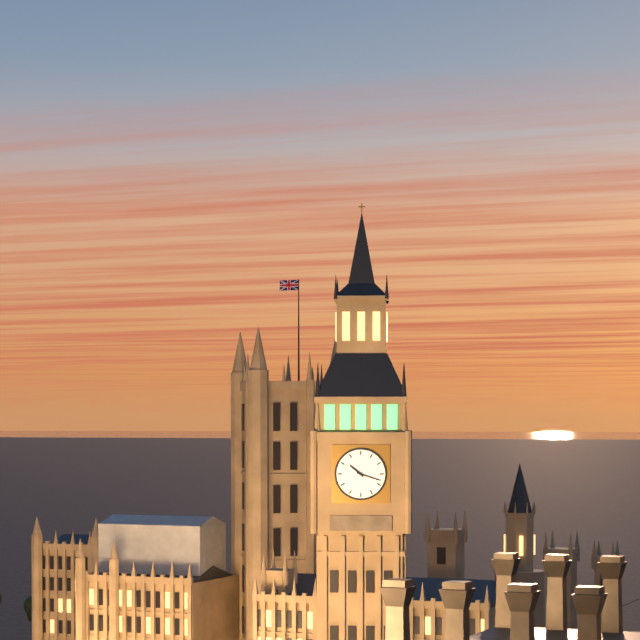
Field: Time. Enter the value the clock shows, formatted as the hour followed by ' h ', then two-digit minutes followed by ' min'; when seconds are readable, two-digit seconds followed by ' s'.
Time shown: 10 h 18 min
